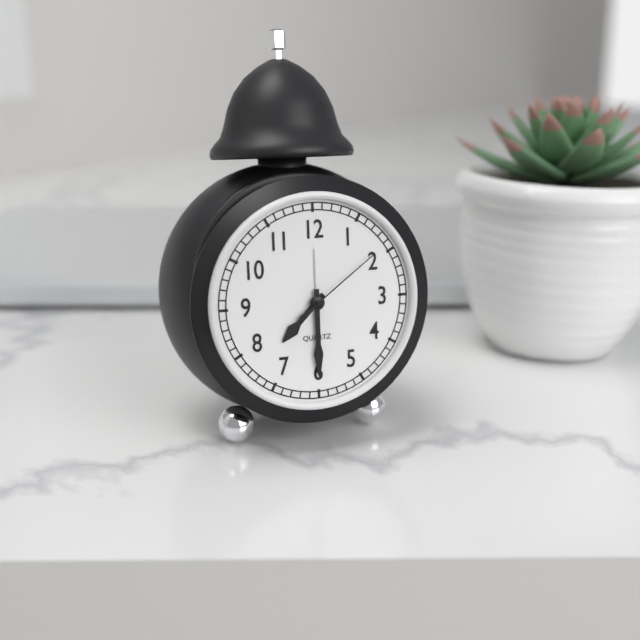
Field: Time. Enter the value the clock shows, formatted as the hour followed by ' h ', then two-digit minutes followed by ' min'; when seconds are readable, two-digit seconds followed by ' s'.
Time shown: 7 h 30 min 09 s
